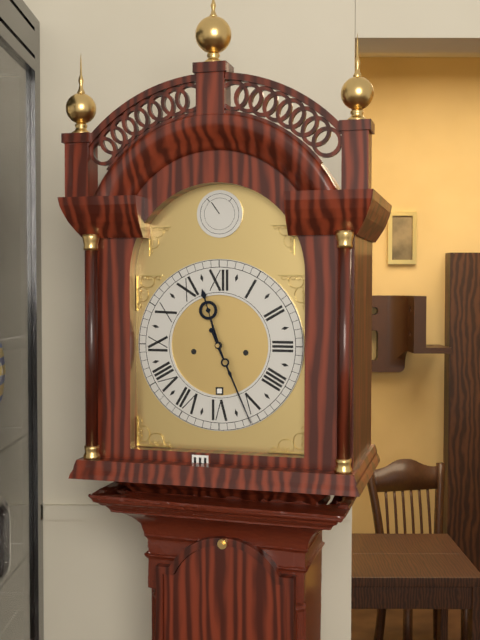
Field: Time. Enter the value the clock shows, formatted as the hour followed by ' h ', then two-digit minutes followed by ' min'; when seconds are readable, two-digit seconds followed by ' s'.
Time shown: 11 h 26 min
